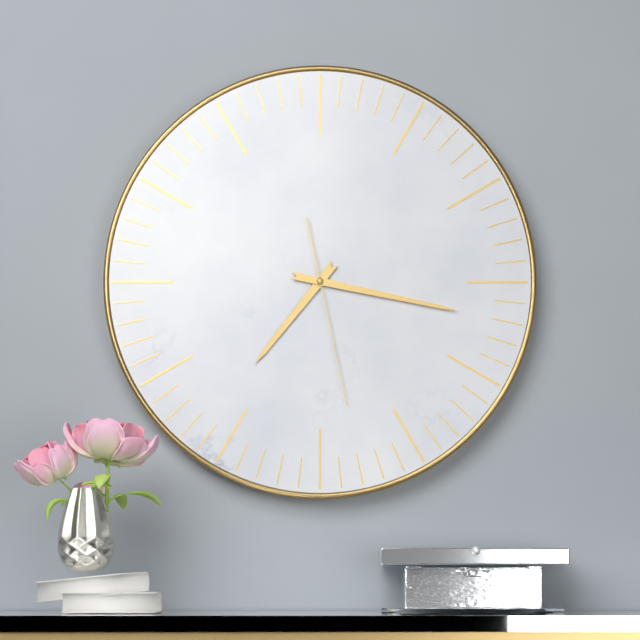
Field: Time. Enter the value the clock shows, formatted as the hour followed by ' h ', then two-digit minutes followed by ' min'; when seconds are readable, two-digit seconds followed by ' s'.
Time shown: 7 h 17 min 28 s
